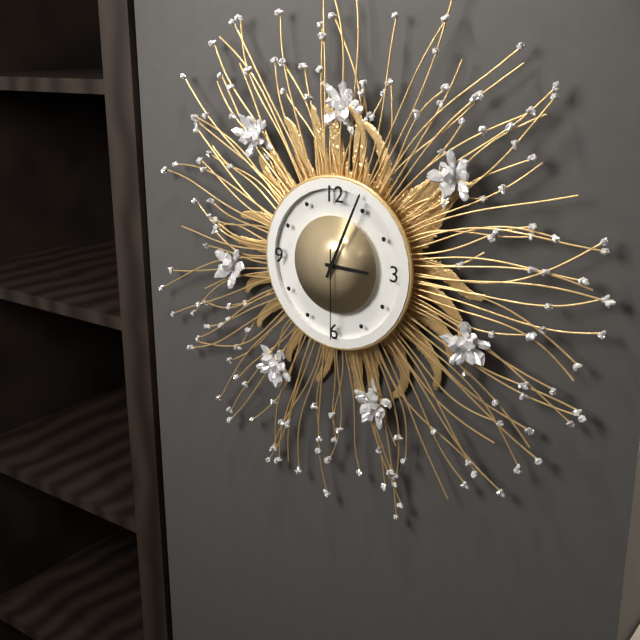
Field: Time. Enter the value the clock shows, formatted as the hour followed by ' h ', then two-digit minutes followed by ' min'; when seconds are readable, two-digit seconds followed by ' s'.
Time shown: 3 h 04 min 30 s
